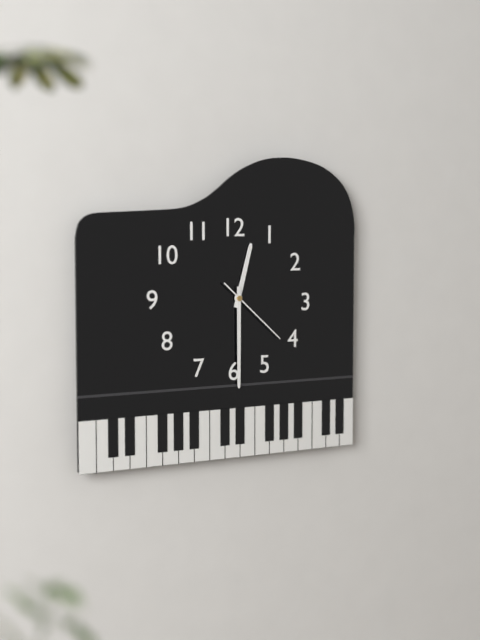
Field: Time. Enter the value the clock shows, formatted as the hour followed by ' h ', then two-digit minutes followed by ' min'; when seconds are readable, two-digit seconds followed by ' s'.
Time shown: 12 h 30 min 22 s
